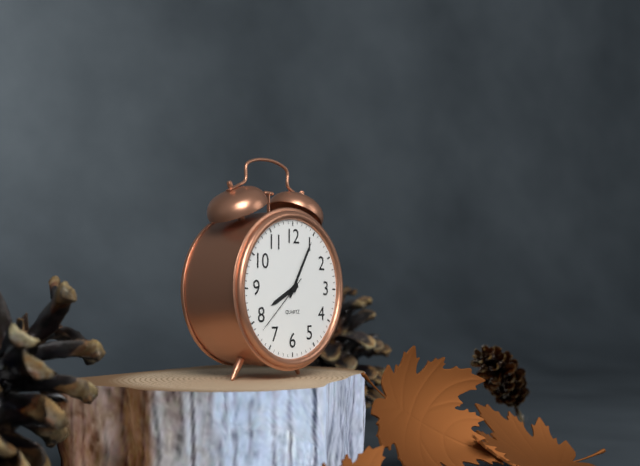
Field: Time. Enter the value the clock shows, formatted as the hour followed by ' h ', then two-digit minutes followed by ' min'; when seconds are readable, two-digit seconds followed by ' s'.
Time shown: 8 h 05 min 38 s
